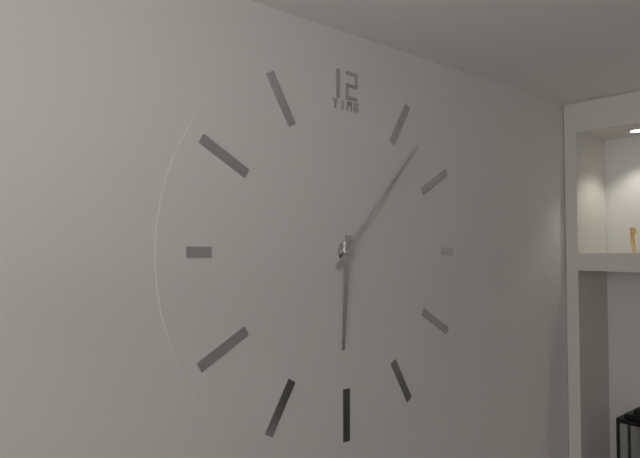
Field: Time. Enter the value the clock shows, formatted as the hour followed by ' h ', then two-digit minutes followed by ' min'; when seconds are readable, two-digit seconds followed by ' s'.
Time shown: 6 h 07 min
